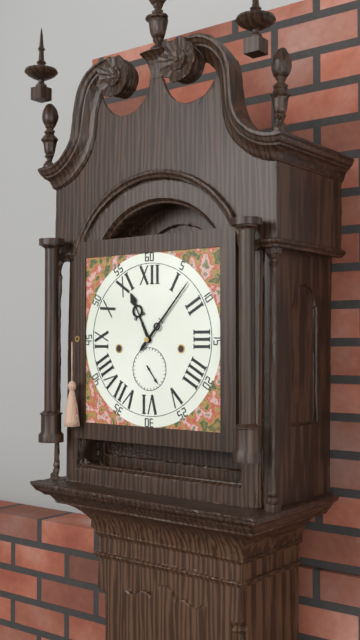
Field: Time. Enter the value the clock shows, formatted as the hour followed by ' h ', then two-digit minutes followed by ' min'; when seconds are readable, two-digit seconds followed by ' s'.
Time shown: 11 h 07 min
